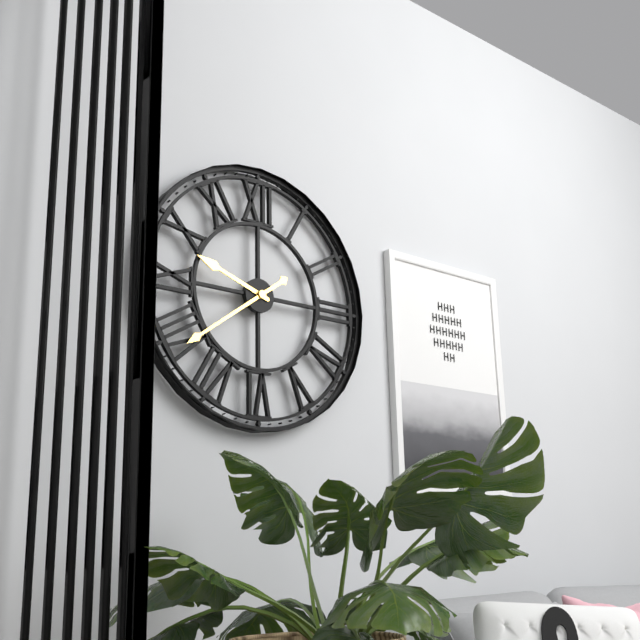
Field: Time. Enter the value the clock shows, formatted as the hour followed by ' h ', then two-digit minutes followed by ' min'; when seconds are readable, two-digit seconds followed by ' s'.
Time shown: 9 h 39 min
